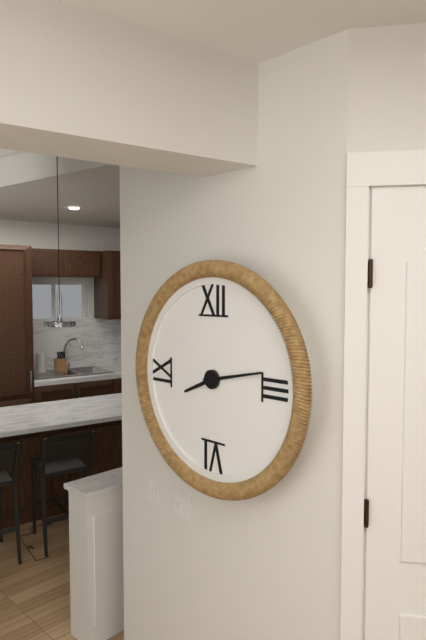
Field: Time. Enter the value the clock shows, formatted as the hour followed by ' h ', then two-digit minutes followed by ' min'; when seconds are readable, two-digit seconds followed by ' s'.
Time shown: 8 h 13 min
